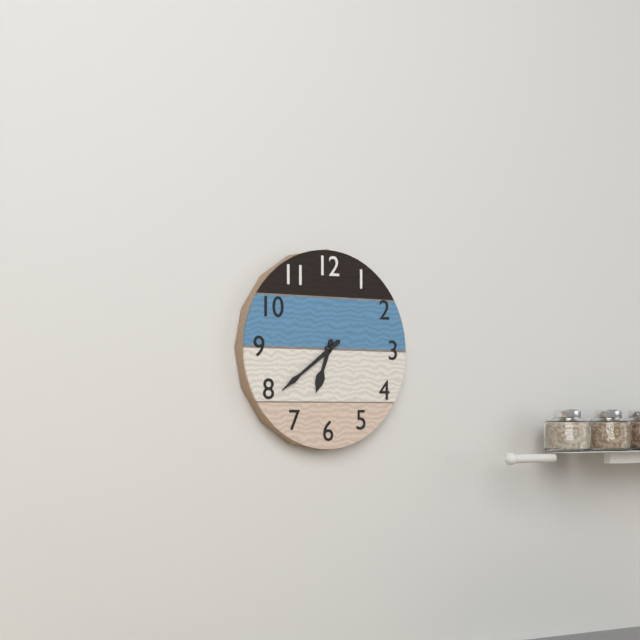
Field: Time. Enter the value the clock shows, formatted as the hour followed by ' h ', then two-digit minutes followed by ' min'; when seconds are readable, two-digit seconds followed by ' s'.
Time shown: 6 h 39 min
